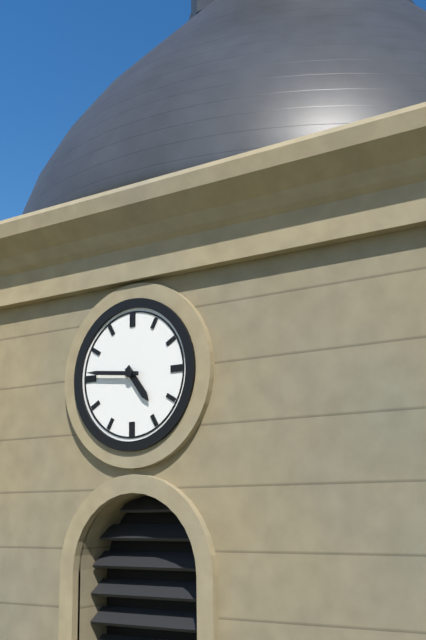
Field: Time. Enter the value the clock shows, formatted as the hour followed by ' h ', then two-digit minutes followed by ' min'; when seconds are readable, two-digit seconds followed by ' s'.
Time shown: 4 h 46 min
